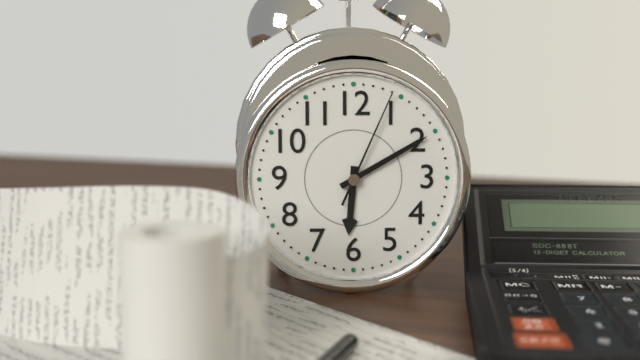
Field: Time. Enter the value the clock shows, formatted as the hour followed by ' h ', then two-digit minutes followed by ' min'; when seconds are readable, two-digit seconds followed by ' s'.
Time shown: 6 h 10 min 04 s
